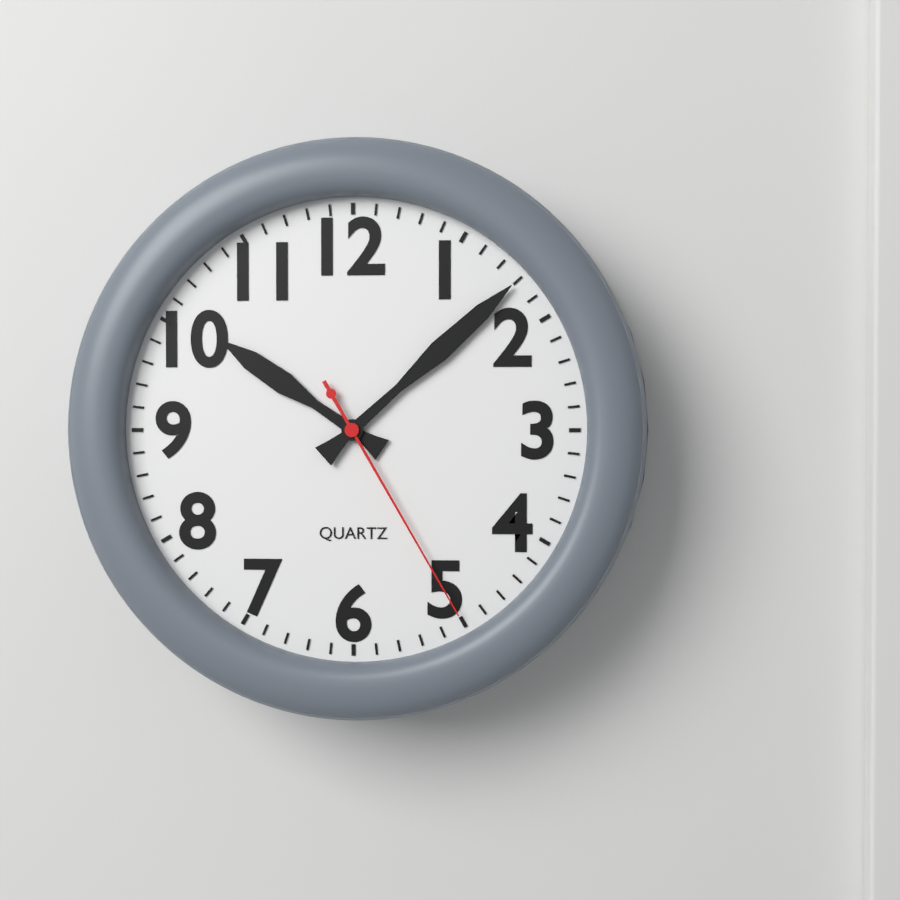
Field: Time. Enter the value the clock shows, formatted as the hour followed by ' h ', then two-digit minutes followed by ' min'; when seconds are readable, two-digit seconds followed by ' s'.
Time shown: 10 h 08 min 25 s
